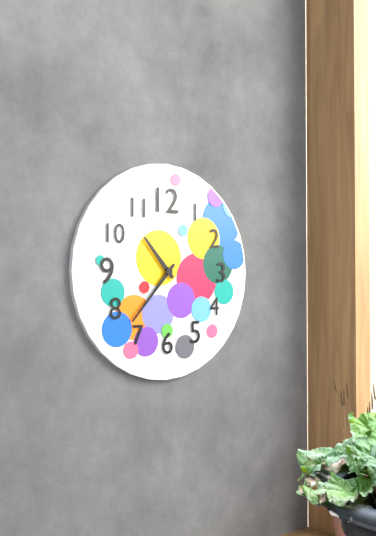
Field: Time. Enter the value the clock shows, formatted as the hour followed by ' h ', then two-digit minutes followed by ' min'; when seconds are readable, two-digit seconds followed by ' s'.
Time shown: 10 h 37 min
